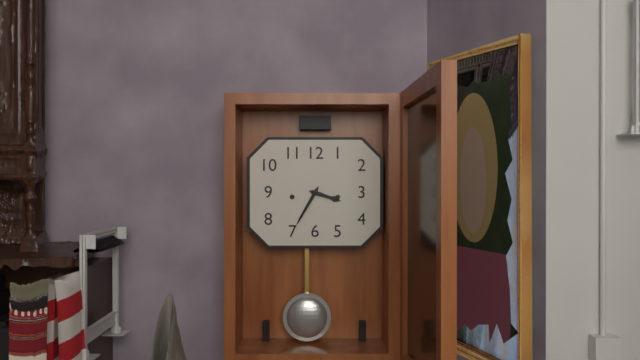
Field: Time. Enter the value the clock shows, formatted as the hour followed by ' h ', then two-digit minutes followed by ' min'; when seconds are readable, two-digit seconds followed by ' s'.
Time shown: 3 h 35 min
